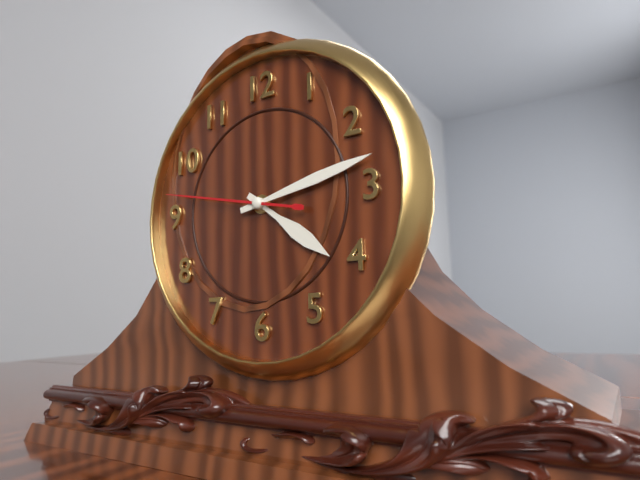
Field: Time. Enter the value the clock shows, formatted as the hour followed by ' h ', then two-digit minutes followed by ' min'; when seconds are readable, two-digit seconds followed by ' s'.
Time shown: 4 h 13 min 47 s
